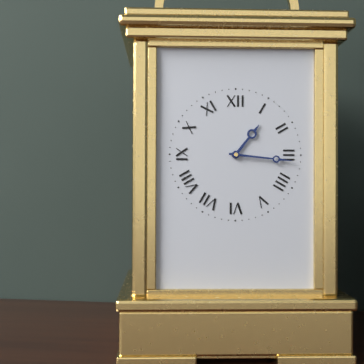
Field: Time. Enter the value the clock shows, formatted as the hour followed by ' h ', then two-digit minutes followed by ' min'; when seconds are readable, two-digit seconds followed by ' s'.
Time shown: 1 h 16 min
